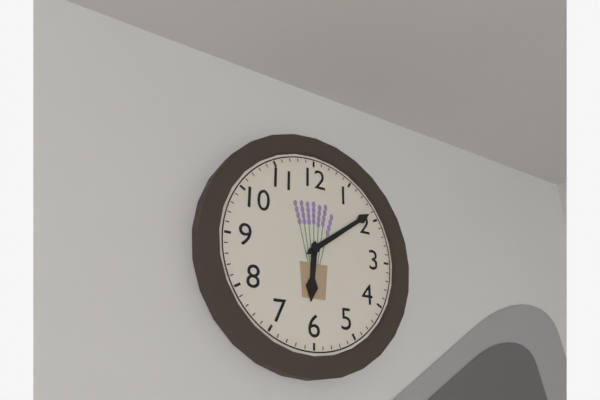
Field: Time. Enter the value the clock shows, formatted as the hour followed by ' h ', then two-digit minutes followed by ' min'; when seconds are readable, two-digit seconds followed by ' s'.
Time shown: 6 h 09 min
